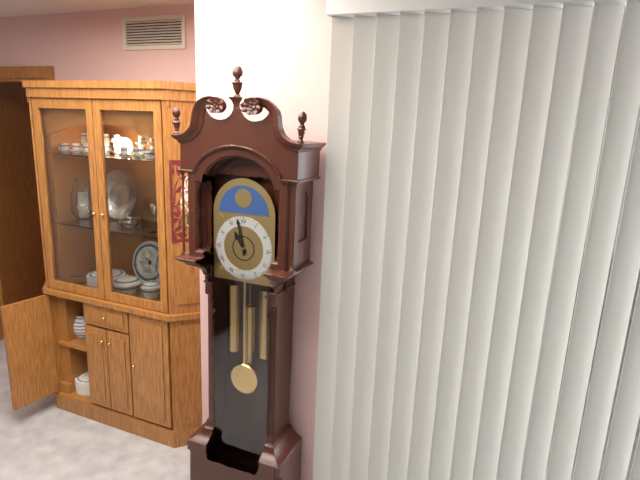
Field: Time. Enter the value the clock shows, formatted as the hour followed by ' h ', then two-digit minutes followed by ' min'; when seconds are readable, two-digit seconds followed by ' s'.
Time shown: 10 h 58 min
